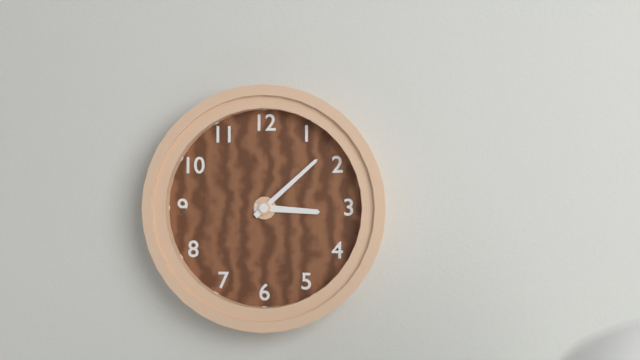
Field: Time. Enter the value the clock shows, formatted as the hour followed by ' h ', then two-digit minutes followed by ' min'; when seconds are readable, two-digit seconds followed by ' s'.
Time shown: 3 h 08 min
